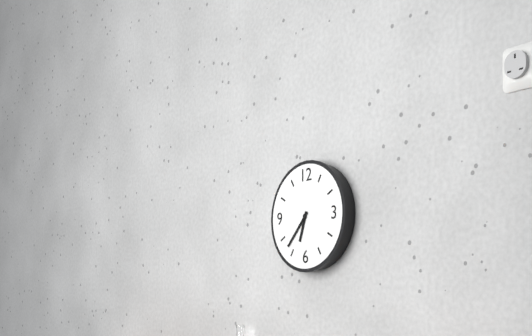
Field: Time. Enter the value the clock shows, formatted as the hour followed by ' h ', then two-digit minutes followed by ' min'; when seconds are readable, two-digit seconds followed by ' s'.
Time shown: 6 h 37 min
